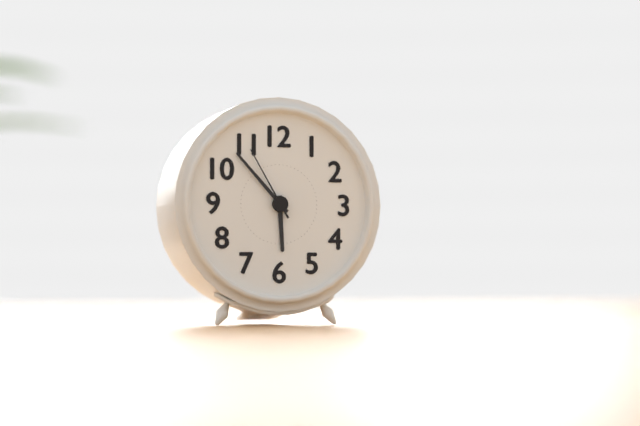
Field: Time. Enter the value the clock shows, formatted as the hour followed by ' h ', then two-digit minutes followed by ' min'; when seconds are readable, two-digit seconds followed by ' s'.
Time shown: 5 h 53 min 55 s
